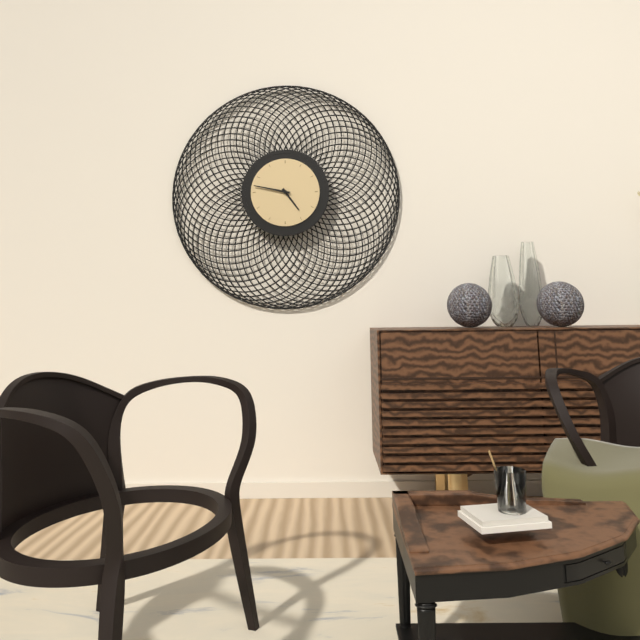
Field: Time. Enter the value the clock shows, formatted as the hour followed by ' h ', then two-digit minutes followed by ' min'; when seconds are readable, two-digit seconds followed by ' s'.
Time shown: 4 h 47 min
